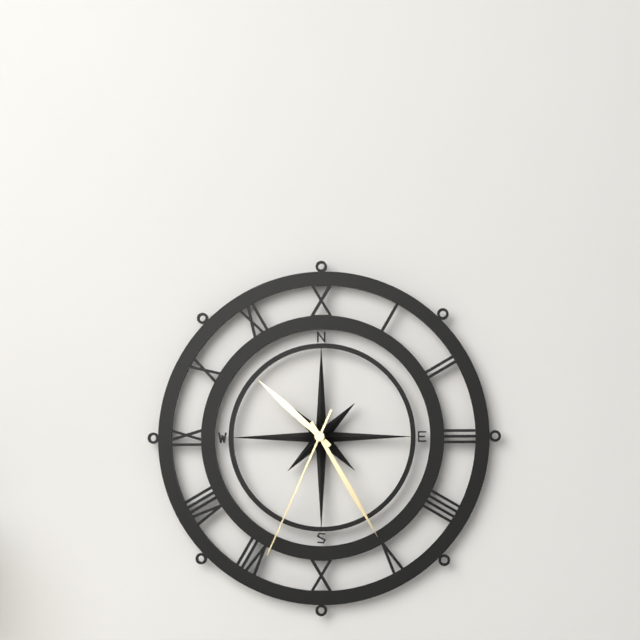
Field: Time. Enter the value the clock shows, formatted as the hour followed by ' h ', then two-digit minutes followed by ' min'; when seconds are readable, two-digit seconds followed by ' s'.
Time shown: 10 h 25 min 34 s
